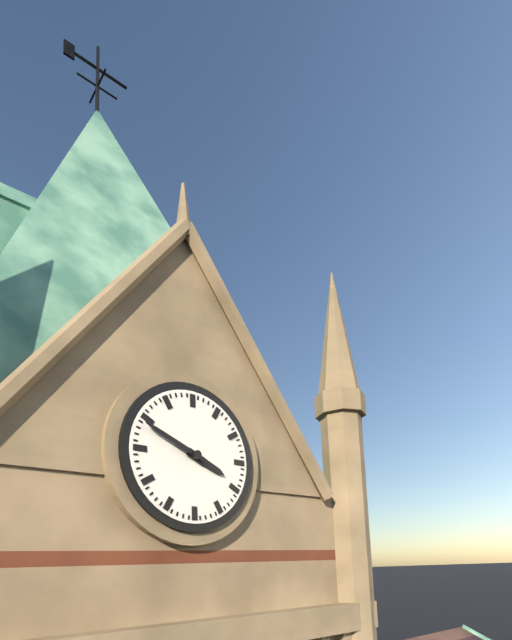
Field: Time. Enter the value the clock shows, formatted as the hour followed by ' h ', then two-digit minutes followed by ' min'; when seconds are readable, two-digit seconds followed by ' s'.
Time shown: 3 h 49 min
